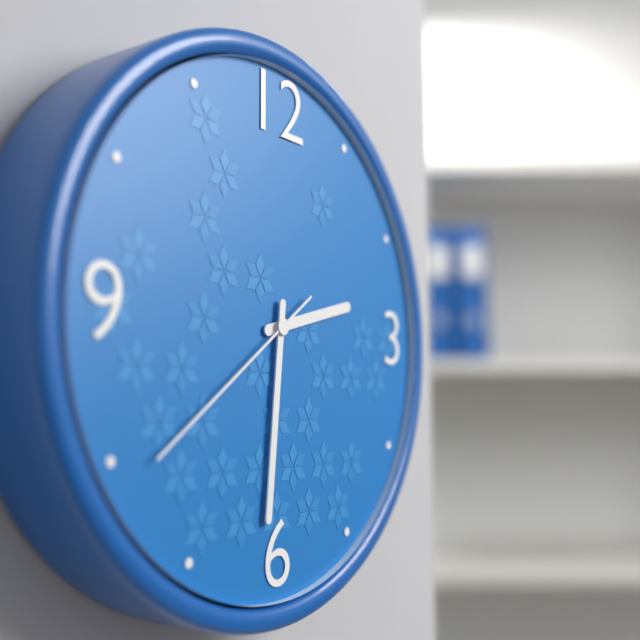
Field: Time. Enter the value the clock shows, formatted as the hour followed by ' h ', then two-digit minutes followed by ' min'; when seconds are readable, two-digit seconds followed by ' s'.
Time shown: 2 h 31 min 39 s
